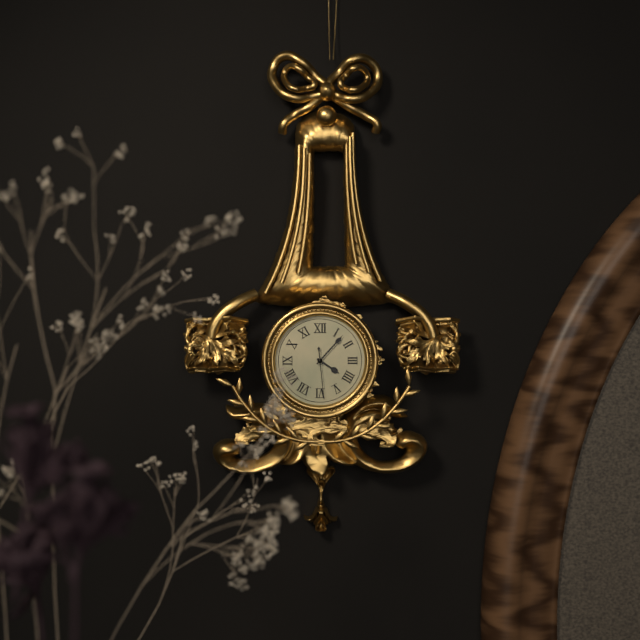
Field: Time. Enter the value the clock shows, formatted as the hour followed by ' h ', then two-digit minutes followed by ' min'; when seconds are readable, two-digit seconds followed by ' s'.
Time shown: 4 h 07 min
